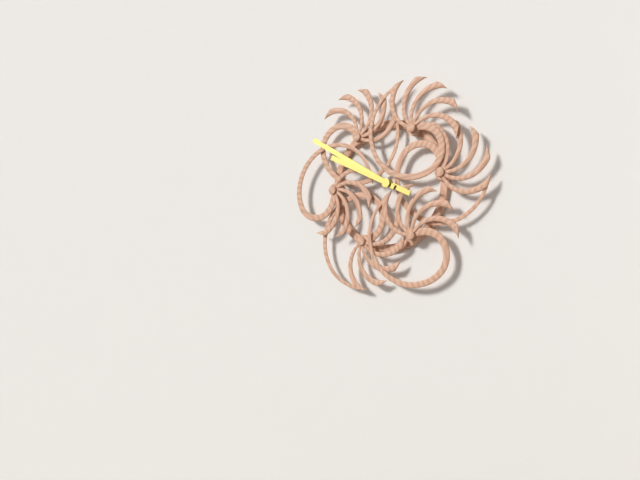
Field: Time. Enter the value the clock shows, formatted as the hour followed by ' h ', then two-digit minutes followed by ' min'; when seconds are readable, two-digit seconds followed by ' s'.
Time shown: 9 h 50 min
